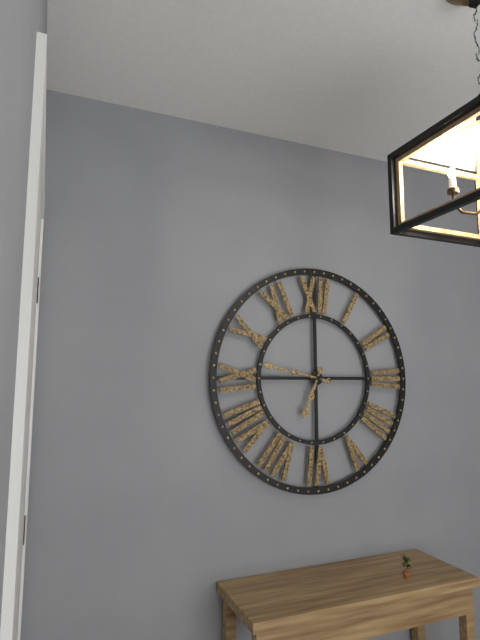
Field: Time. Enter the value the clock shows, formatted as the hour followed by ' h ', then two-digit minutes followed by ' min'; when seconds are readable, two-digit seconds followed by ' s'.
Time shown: 6 h 47 min
